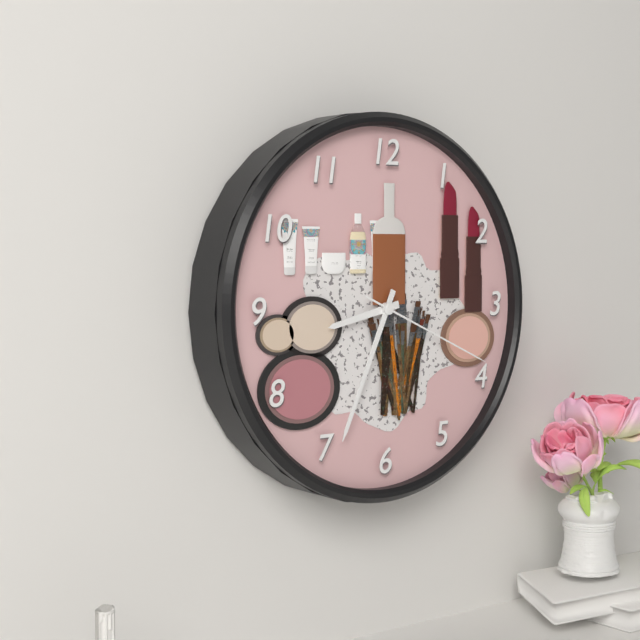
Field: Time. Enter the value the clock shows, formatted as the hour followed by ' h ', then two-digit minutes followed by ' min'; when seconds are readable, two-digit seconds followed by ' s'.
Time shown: 8 h 34 min 19 s
